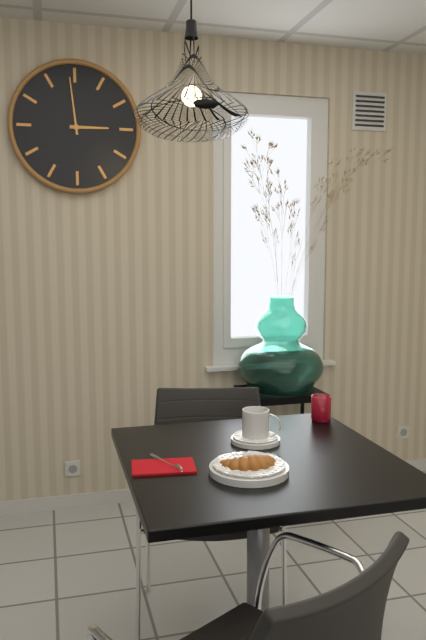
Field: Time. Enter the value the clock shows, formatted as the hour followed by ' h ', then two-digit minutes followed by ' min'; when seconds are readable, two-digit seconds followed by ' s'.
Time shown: 2 h 59 min
